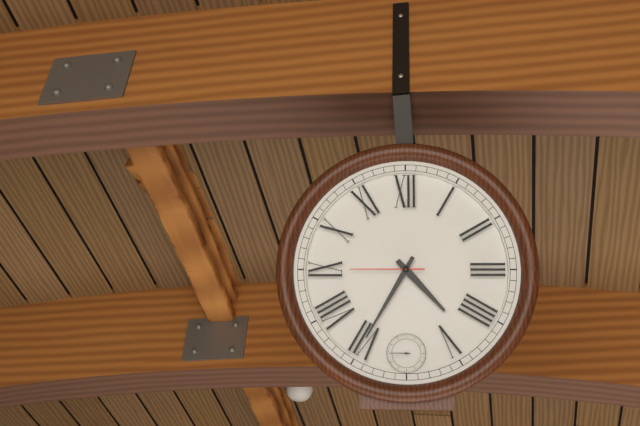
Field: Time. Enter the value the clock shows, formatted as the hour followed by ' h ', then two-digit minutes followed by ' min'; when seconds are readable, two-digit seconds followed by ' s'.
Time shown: 4 h 35 min 45 s
